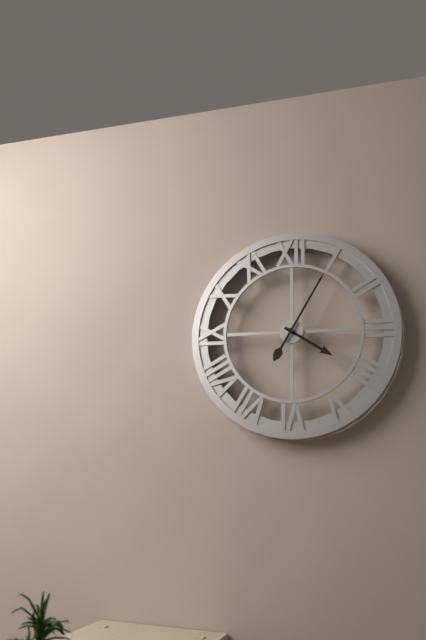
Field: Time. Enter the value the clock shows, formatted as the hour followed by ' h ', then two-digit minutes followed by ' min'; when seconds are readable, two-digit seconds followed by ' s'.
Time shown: 4 h 05 min
